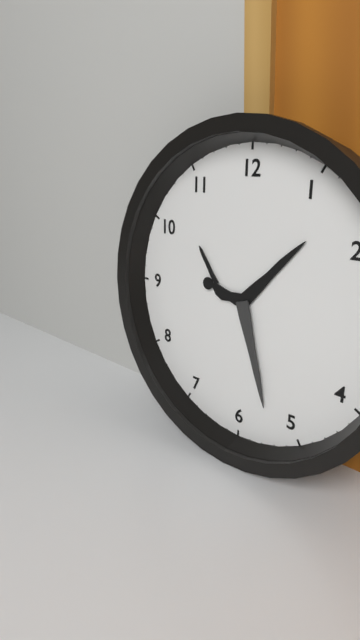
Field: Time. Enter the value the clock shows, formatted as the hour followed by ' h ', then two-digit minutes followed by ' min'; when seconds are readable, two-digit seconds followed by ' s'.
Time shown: 1 h 27 min
